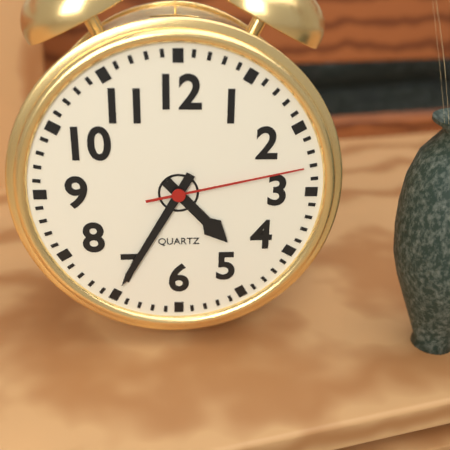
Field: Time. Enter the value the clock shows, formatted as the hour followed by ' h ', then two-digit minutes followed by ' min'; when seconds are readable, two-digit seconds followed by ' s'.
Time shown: 4 h 35 min 13 s
